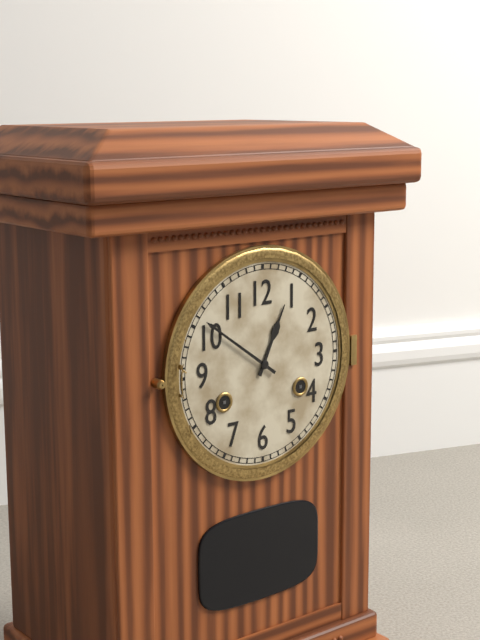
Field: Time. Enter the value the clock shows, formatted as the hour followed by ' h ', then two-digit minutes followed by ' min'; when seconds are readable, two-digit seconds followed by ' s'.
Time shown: 12 h 51 min
